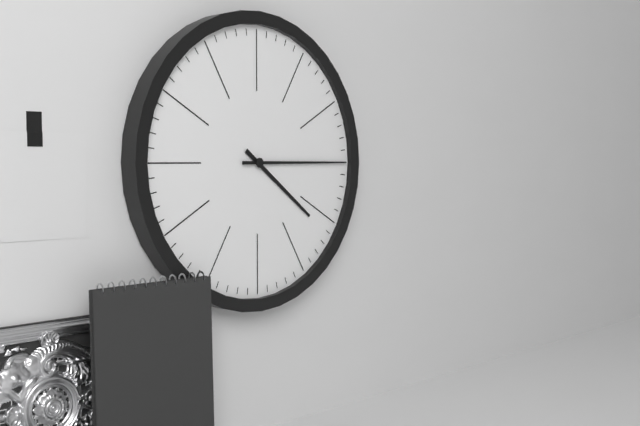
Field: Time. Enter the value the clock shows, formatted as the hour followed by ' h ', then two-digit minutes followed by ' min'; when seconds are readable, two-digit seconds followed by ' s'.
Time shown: 4 h 15 min
